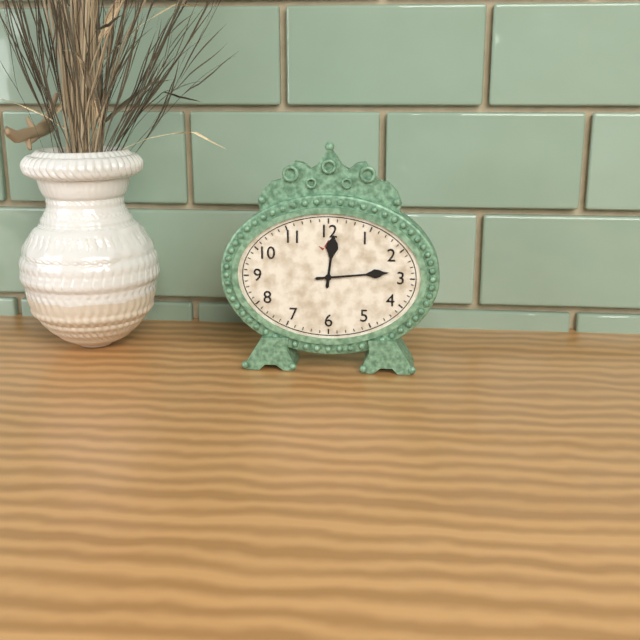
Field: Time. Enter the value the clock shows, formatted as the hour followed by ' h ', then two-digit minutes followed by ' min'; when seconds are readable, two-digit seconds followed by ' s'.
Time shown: 12 h 14 min
